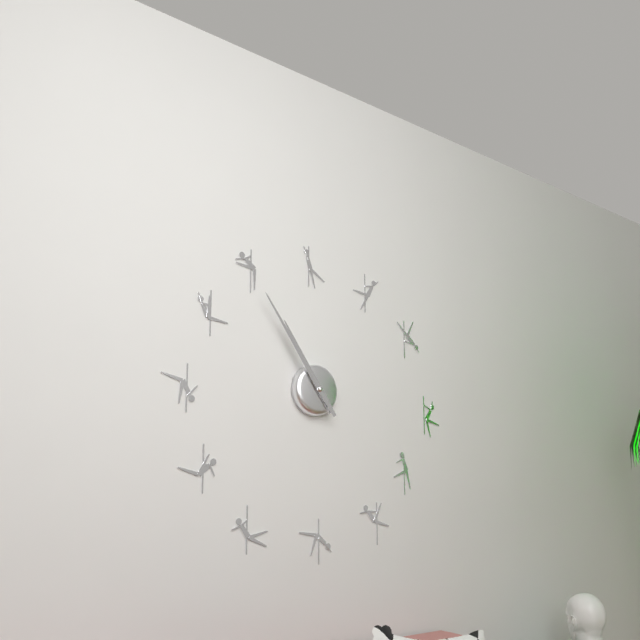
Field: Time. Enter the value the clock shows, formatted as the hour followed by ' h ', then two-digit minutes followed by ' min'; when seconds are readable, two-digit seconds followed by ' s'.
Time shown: 10 h 54 min
